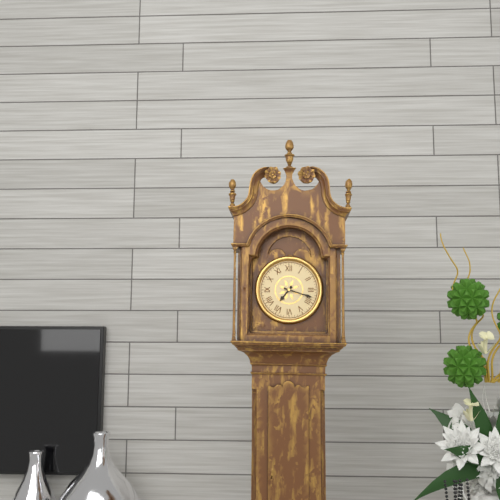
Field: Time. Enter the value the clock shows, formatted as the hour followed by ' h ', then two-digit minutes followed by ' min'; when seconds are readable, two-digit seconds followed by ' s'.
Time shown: 7 h 18 min
